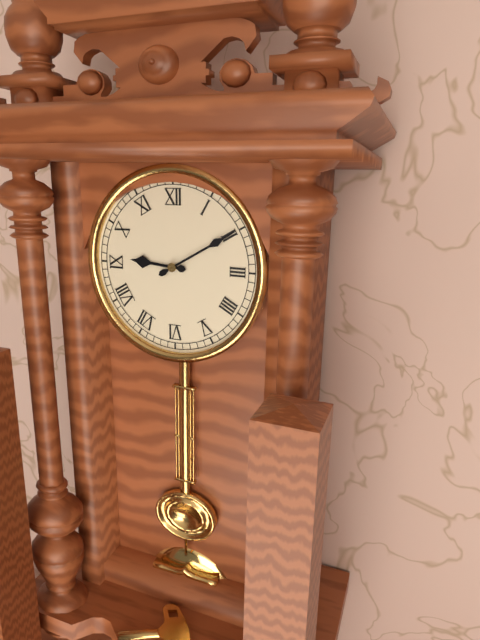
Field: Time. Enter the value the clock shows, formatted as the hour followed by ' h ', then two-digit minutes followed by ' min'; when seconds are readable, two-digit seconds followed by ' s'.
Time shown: 9 h 10 min
